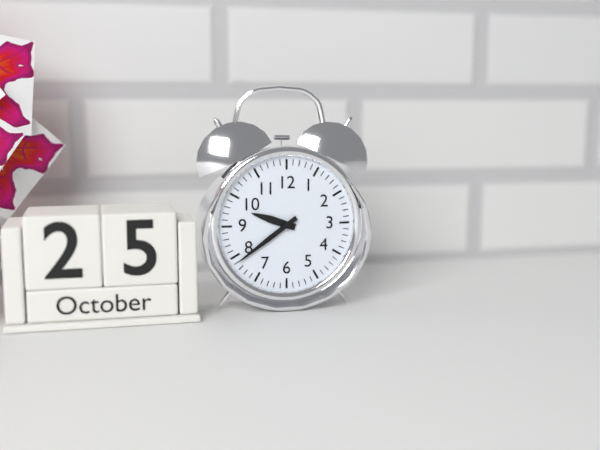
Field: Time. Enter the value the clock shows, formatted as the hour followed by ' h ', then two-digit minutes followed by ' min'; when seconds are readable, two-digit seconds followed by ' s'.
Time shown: 9 h 39 min
